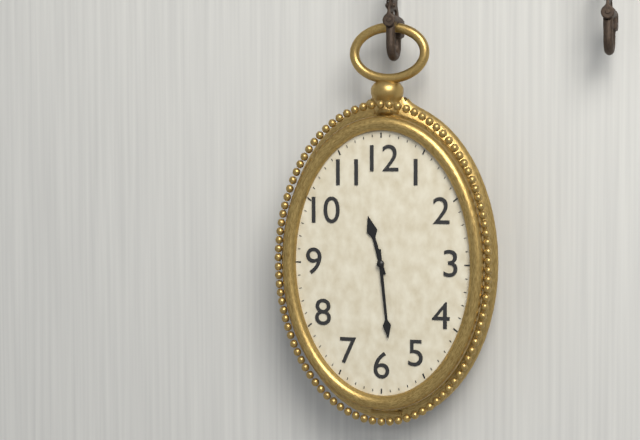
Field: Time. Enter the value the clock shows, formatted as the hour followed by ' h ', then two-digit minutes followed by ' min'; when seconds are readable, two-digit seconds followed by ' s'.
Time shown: 11 h 29 min
